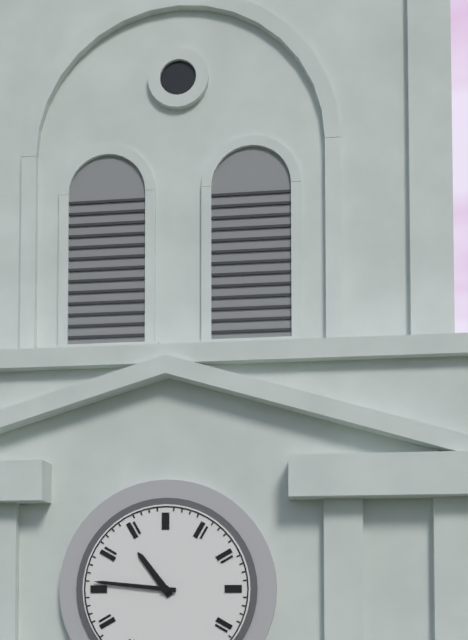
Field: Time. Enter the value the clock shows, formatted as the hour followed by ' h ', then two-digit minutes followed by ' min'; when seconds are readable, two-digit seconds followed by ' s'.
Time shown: 10 h 46 min
